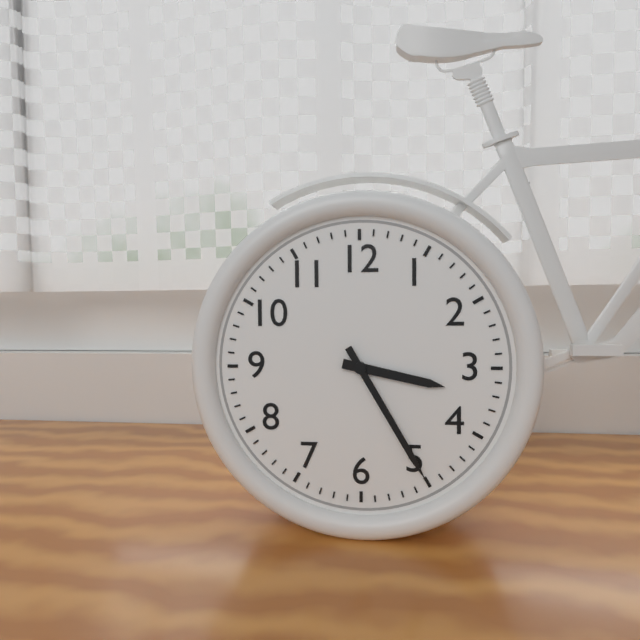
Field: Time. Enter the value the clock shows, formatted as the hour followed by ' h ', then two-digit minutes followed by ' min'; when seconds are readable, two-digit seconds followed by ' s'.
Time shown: 3 h 25 min
